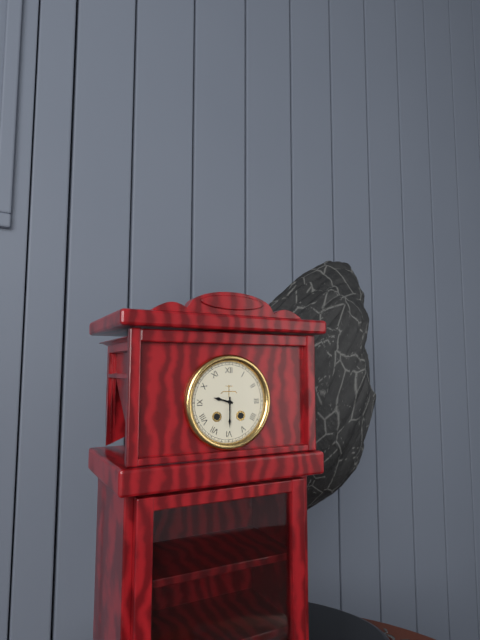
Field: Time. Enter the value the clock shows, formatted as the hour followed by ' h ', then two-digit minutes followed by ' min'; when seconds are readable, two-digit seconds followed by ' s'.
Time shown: 9 h 30 min
